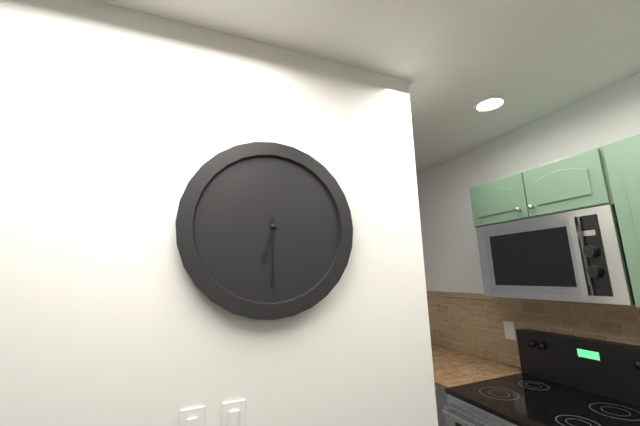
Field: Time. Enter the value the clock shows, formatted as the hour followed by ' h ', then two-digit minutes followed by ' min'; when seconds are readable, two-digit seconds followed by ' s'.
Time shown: 6 h 30 min
